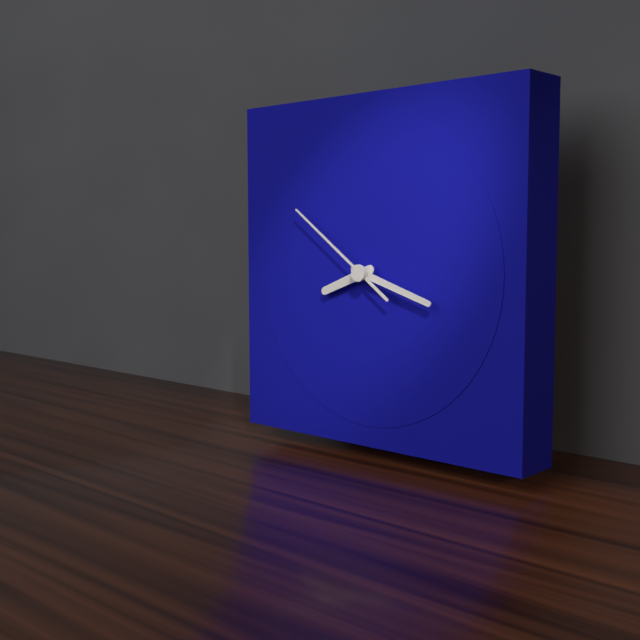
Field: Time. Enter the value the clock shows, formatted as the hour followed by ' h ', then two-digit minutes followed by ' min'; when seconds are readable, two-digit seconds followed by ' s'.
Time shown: 8 h 18 min 51 s
